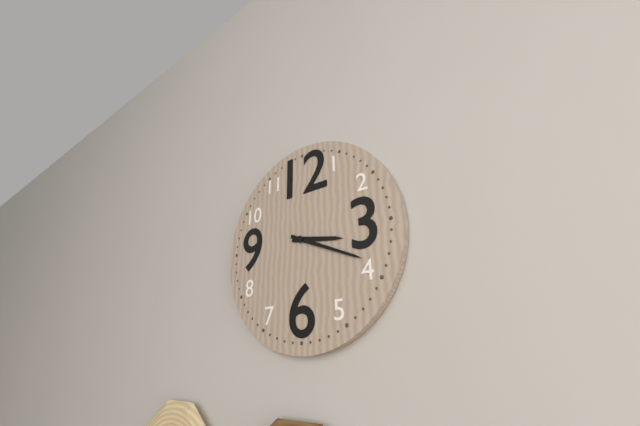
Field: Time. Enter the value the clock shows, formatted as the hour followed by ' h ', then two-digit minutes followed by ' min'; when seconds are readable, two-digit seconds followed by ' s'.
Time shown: 3 h 19 min
